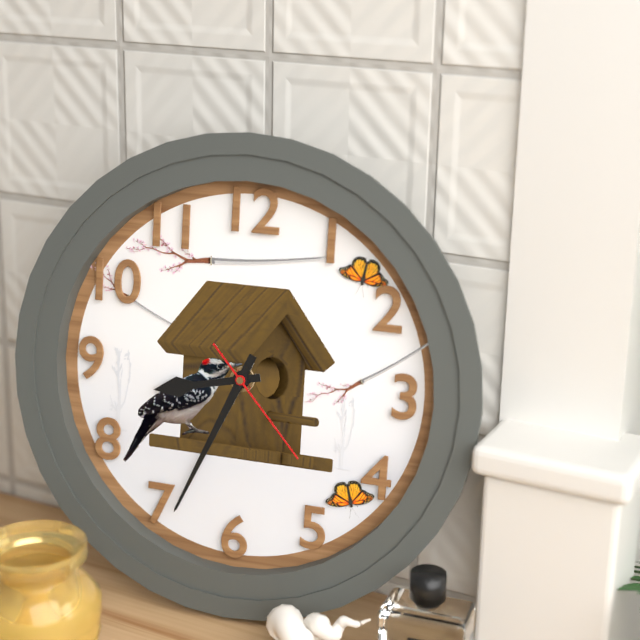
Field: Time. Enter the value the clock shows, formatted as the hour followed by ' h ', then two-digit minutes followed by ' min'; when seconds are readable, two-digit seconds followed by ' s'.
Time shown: 8 h 34 min 23 s
